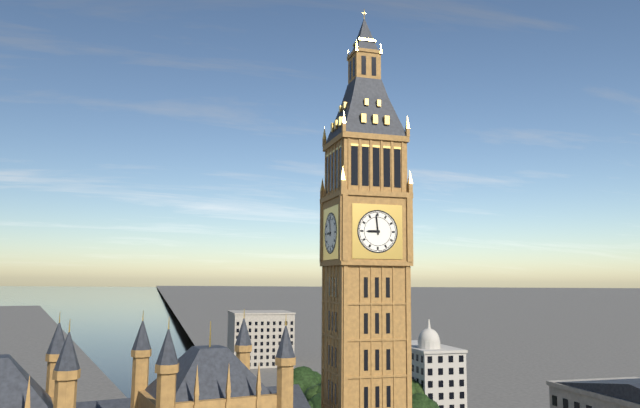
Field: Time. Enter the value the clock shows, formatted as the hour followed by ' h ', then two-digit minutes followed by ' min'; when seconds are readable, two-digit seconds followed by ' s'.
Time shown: 8 h 59 min
